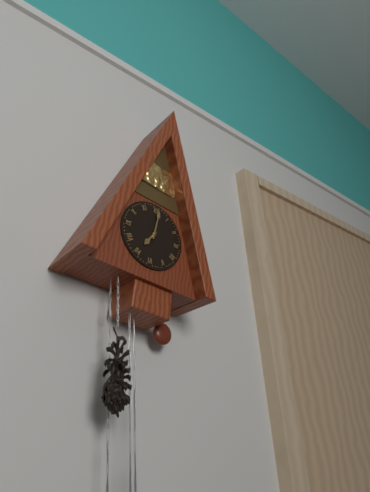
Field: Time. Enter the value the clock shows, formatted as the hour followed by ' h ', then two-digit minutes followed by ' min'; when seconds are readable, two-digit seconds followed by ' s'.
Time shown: 7 h 01 min
